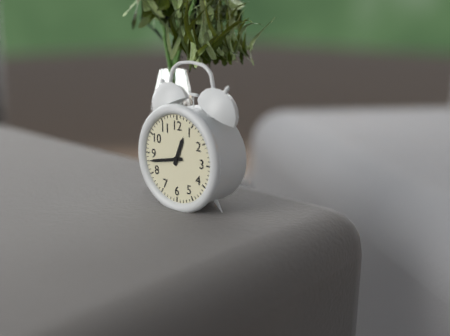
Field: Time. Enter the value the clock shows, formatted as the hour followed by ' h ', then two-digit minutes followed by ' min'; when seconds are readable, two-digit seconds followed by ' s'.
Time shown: 12 h 43 min
